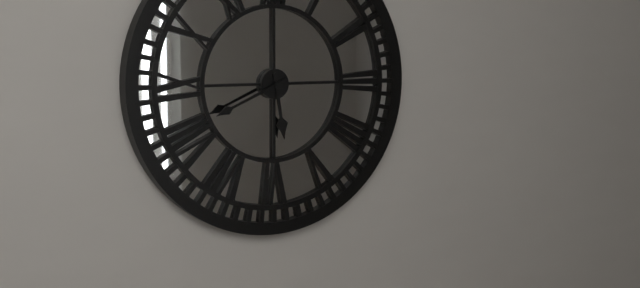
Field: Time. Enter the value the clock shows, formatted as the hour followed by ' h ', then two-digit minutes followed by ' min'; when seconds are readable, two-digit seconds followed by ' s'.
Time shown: 5 h 41 min
